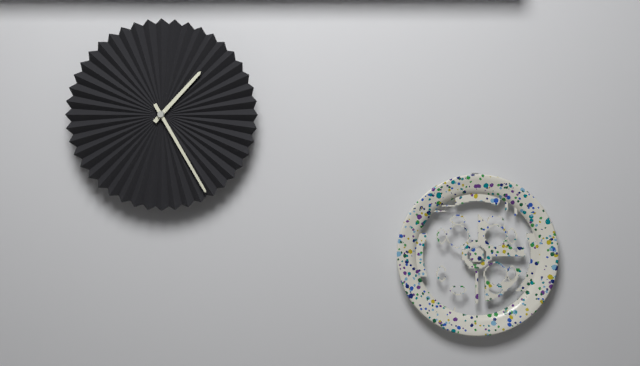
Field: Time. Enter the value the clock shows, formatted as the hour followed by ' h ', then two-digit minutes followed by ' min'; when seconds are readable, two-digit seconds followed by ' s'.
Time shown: 1 h 25 min
